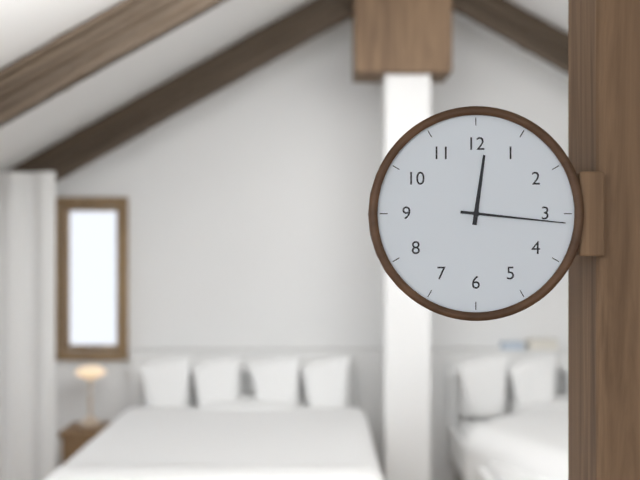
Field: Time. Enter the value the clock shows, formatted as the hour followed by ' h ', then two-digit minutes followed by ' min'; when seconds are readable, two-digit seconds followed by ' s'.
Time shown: 12 h 16 min
